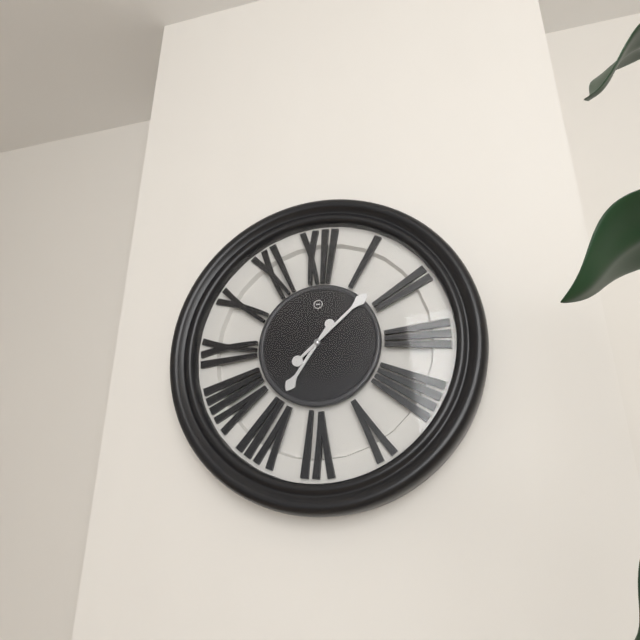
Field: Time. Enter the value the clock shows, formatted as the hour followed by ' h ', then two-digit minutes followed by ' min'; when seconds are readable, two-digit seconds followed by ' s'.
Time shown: 7 h 08 min
